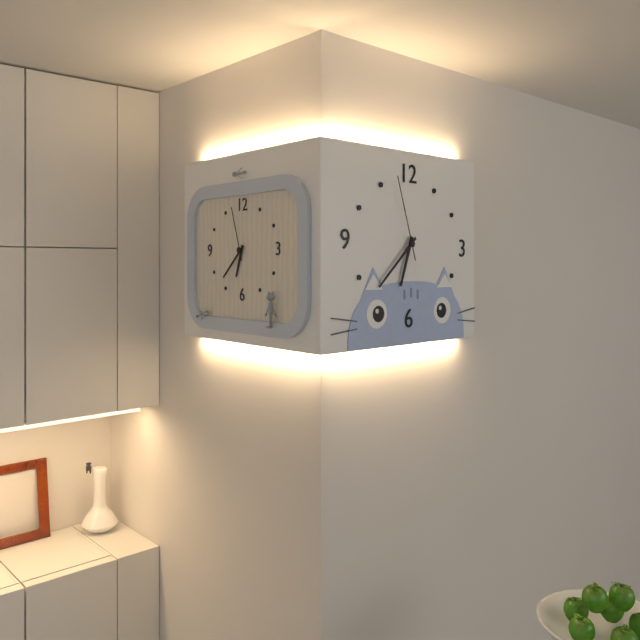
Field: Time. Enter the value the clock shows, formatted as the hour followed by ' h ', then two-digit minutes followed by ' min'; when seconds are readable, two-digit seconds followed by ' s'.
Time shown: 6 h 38 min 57 s
